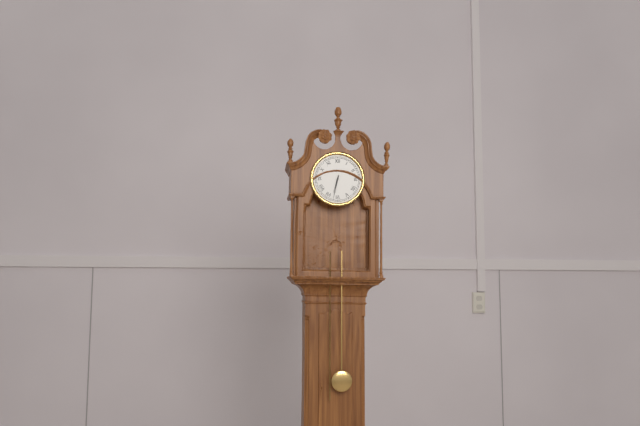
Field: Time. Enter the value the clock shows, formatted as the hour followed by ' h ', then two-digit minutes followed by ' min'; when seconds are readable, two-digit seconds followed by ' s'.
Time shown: 6 h 32 min
